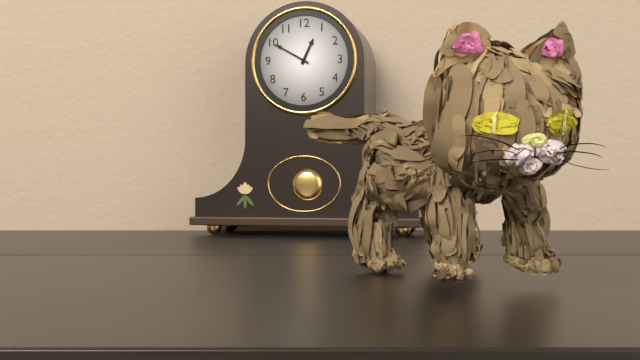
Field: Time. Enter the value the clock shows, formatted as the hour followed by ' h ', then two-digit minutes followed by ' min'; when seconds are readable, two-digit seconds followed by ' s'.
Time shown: 12 h 50 min
